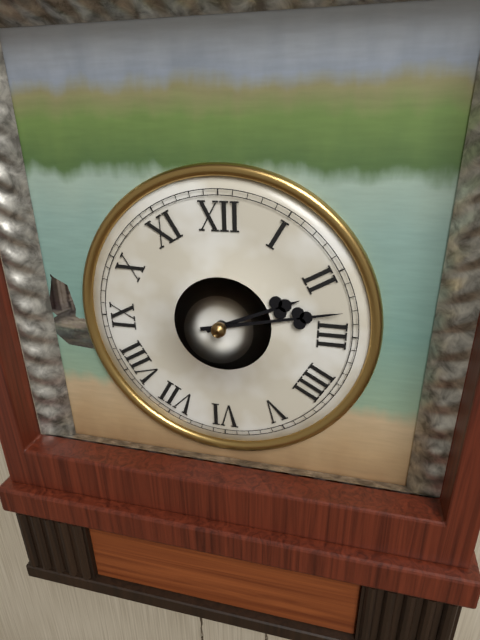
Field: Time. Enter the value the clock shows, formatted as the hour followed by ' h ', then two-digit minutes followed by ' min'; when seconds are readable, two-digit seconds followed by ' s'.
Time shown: 2 h 13 min
